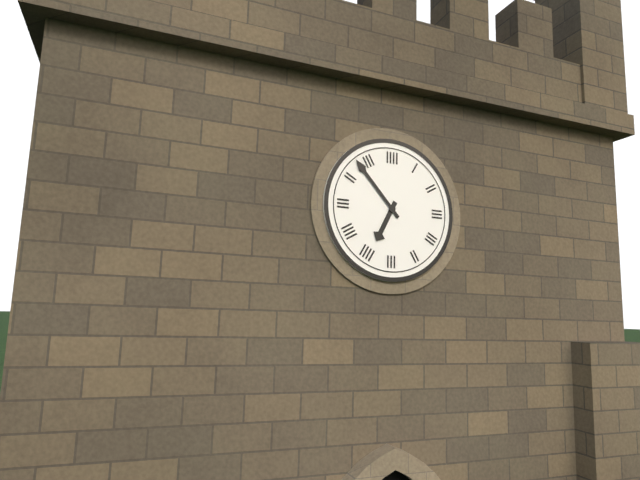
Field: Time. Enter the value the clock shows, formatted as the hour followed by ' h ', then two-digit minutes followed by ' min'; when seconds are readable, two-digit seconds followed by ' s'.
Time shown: 6 h 53 min
